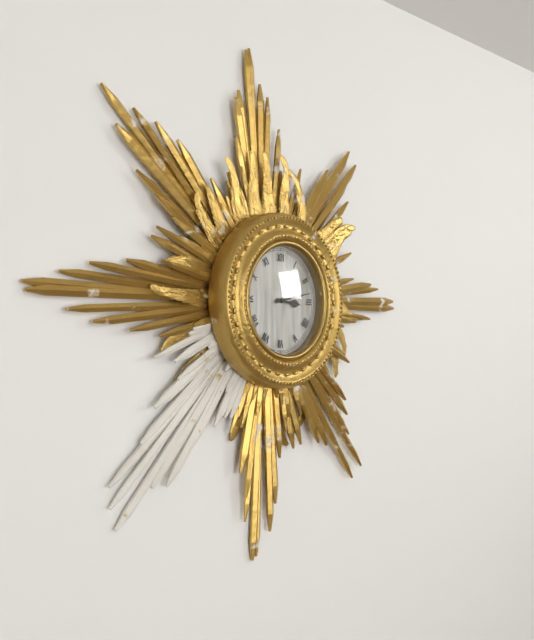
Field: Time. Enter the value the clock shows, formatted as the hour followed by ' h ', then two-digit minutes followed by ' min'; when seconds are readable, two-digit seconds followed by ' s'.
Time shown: 3 h 13 min
